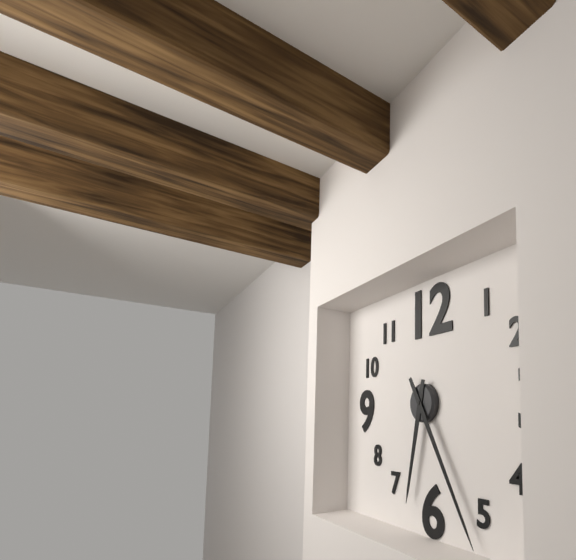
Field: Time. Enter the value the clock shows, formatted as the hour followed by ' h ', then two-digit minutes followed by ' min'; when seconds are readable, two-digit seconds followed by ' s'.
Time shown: 6 h 25 min
